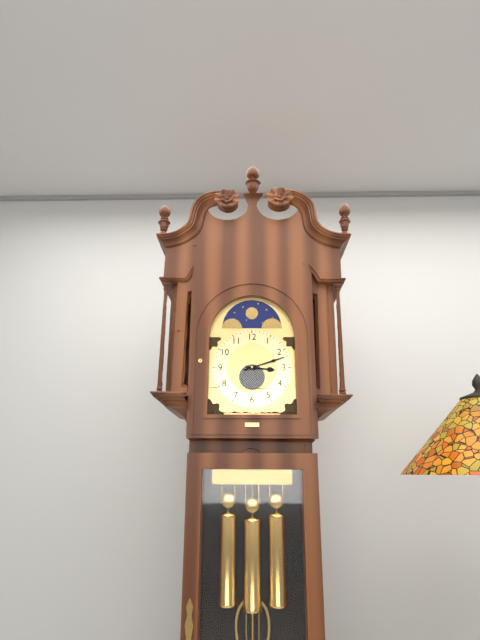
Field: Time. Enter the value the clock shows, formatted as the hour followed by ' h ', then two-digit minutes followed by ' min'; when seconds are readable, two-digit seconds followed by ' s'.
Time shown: 3 h 12 min
